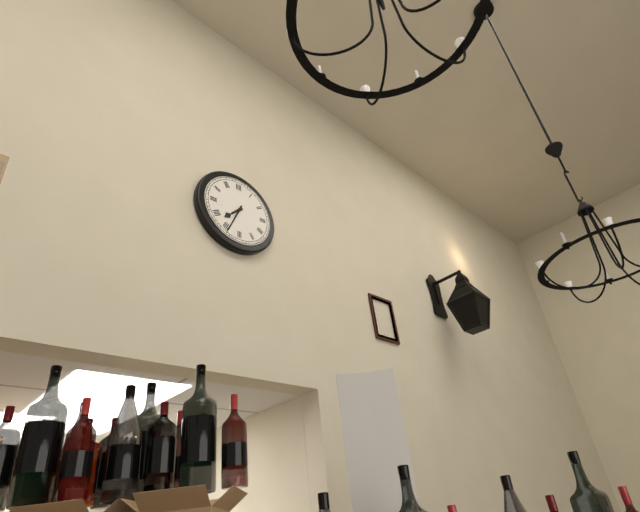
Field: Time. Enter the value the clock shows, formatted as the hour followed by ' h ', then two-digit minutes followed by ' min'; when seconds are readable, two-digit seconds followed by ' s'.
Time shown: 7 h 34 min
